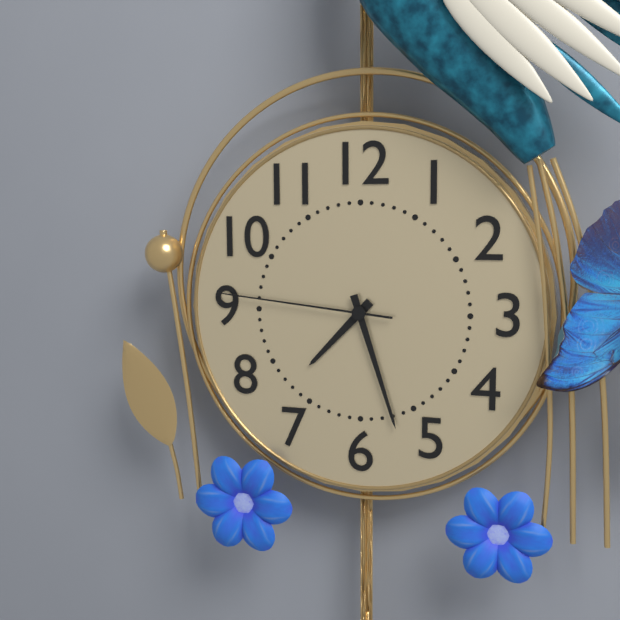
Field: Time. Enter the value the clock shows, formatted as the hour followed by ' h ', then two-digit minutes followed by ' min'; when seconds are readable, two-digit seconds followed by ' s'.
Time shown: 7 h 27 min 46 s
